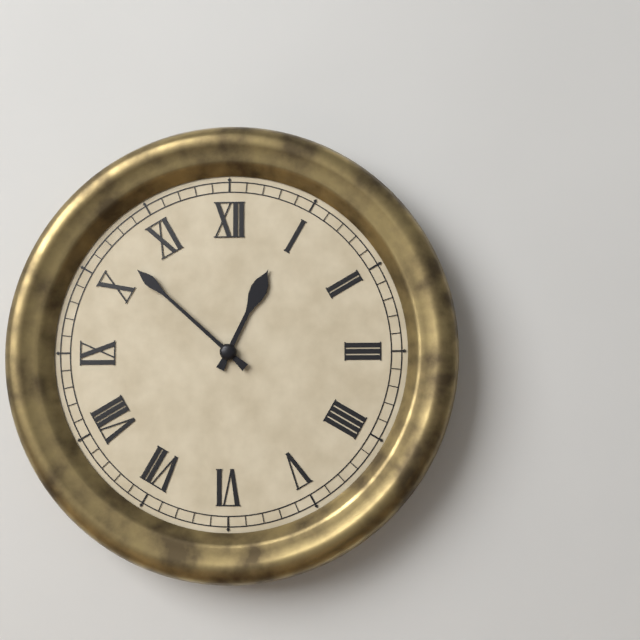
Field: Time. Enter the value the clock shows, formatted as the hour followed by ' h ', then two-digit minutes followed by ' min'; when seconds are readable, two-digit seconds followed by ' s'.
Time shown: 12 h 52 min
